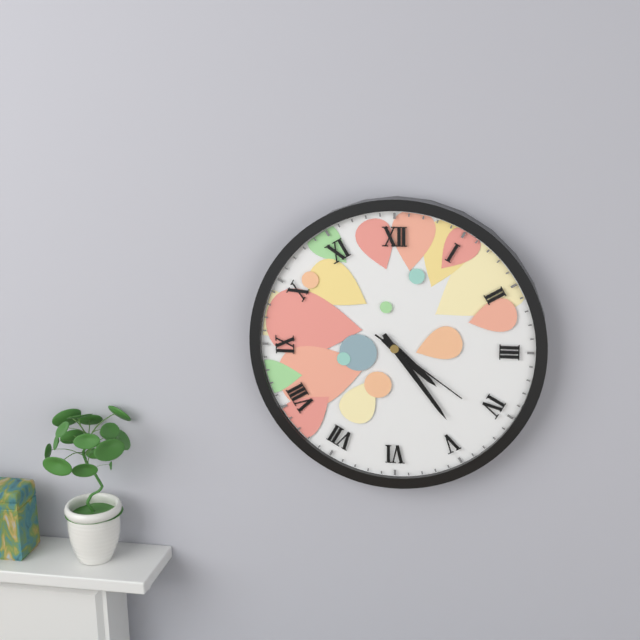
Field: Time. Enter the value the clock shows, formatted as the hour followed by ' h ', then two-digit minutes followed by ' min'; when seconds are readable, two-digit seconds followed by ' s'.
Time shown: 4 h 24 min 21 s
